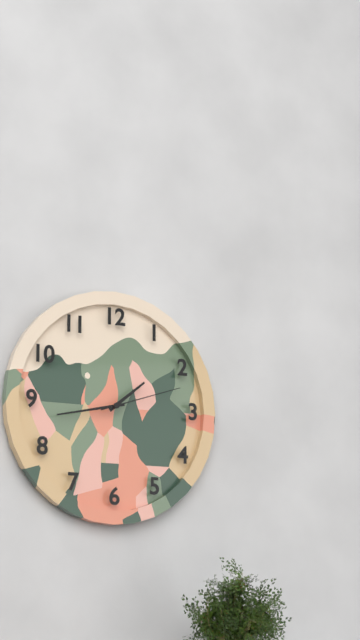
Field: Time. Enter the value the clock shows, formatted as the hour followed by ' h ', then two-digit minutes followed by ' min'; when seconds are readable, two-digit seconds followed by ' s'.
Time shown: 1 h 43 min 12 s
